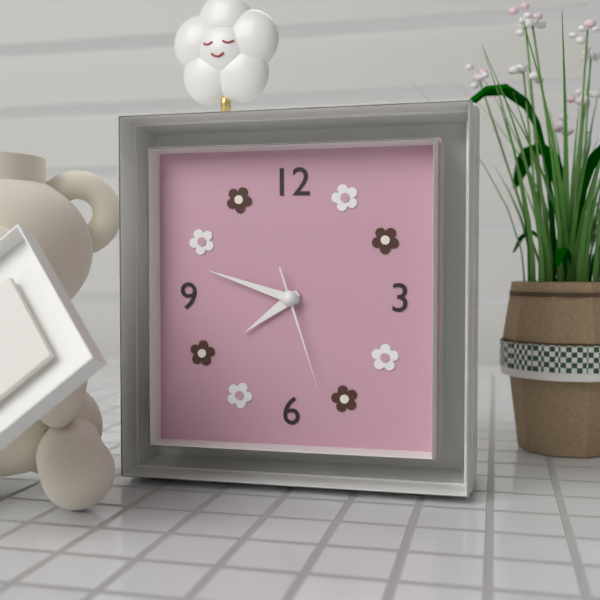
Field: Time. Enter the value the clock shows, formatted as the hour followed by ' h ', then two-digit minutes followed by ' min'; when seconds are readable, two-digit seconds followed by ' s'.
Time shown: 7 h 48 min 27 s
